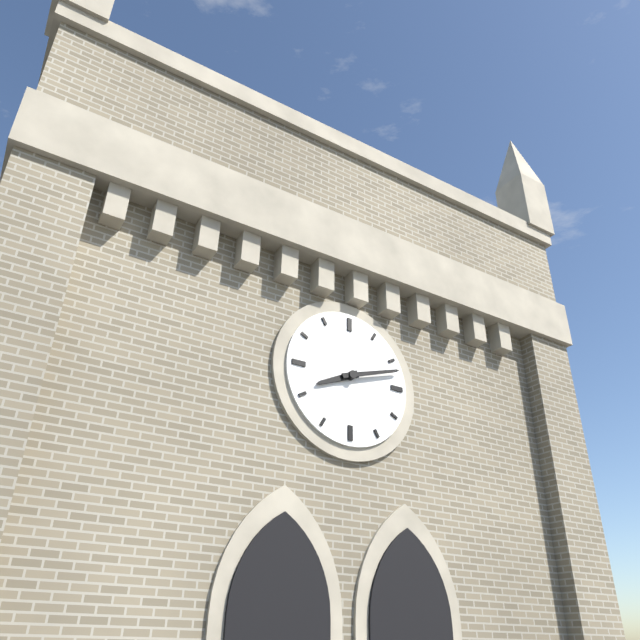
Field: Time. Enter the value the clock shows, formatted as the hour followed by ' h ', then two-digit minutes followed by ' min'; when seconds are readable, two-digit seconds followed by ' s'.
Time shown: 8 h 12 min
